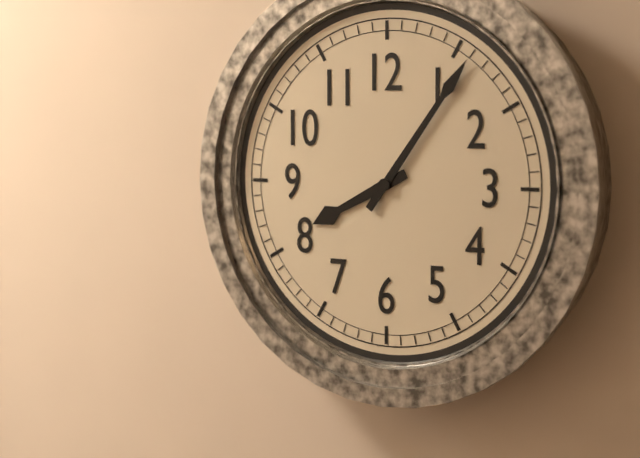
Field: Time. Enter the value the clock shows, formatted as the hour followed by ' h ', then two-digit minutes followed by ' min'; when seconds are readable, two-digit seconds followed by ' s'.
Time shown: 8 h 06 min
